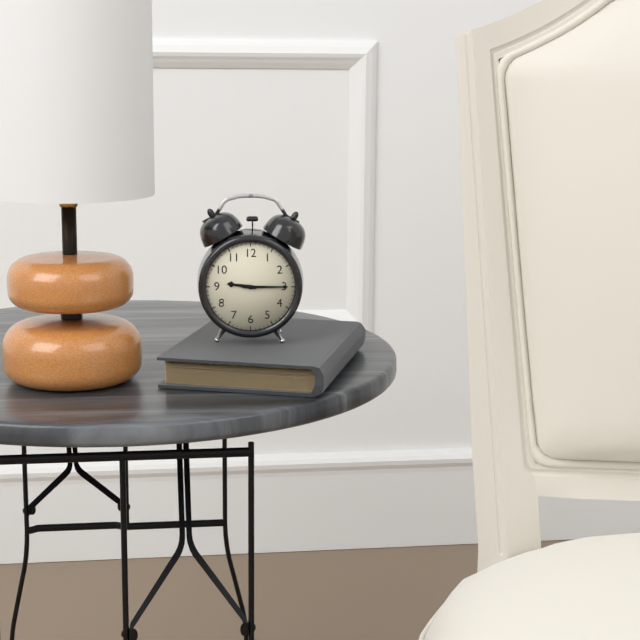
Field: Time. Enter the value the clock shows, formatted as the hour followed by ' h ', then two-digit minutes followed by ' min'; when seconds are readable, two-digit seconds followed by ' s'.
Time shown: 9 h 15 min
